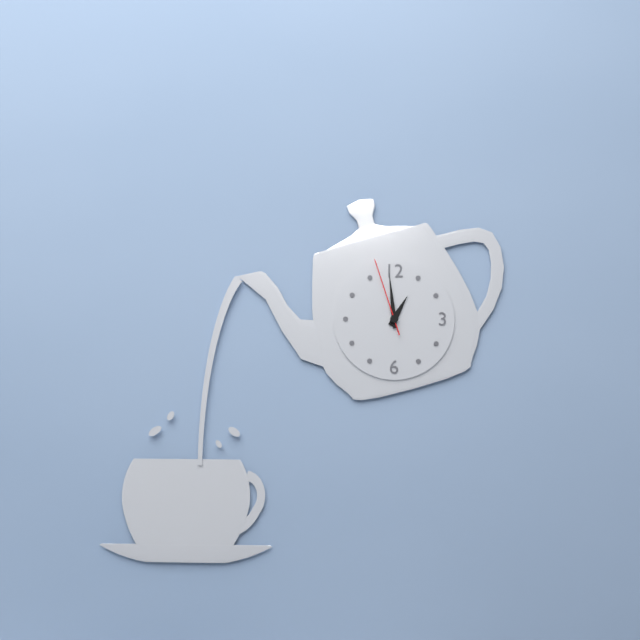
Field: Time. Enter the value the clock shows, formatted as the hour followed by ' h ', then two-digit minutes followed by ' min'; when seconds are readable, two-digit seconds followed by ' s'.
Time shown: 12 h 59 min 57 s
